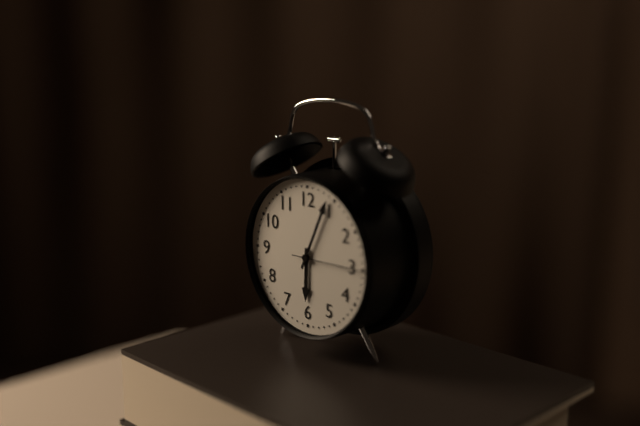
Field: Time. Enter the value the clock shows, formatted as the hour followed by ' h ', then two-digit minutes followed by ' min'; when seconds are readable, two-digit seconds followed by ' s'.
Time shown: 6 h 04 min
